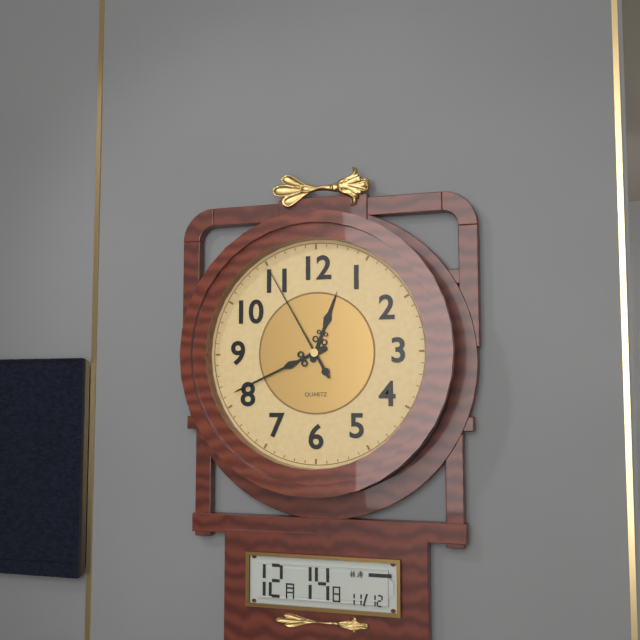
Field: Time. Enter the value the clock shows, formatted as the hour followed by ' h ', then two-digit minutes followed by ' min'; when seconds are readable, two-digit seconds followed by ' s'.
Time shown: 12 h 41 min 55 s
